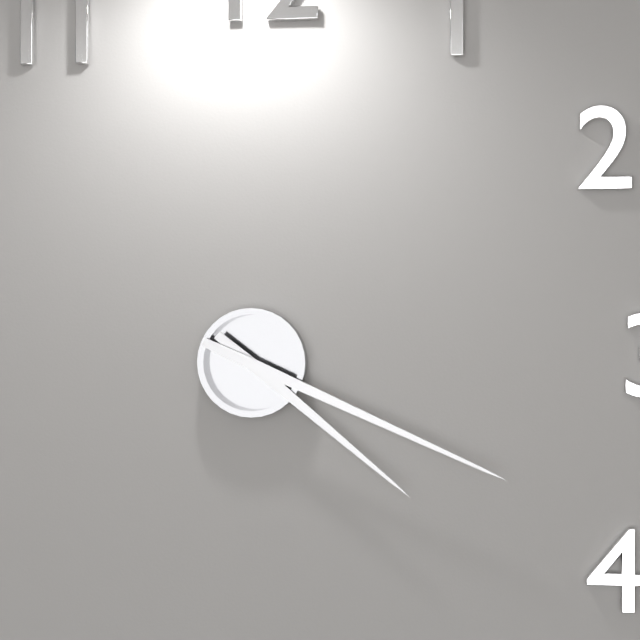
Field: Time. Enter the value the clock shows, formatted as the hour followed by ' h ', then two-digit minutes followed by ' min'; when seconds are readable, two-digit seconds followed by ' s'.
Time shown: 4 h 19 min
